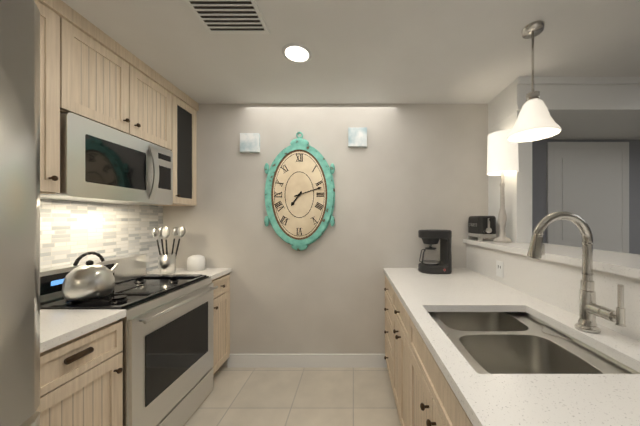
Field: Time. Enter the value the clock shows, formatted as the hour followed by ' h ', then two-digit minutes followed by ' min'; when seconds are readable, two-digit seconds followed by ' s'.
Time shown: 7 h 12 min
